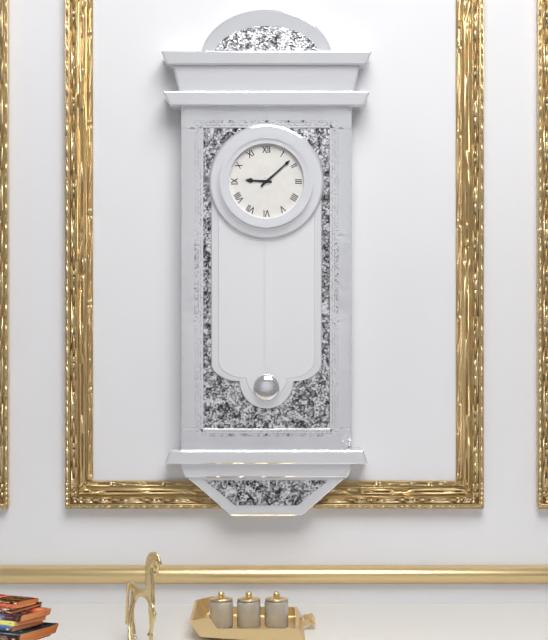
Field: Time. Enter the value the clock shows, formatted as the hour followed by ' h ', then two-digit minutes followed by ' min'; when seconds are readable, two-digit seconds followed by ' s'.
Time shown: 9 h 08 min
